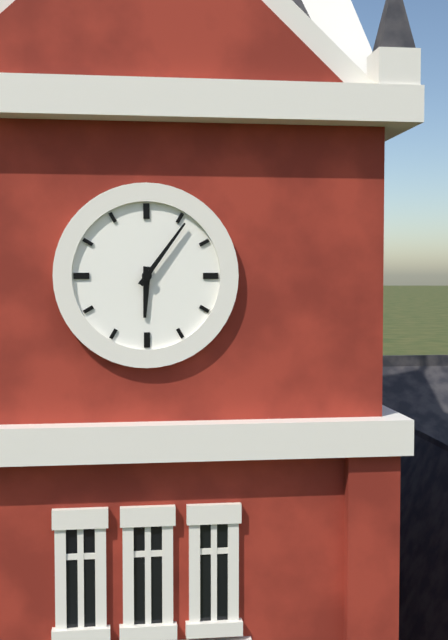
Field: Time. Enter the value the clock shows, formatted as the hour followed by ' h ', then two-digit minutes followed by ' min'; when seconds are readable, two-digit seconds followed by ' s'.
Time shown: 6 h 06 min
